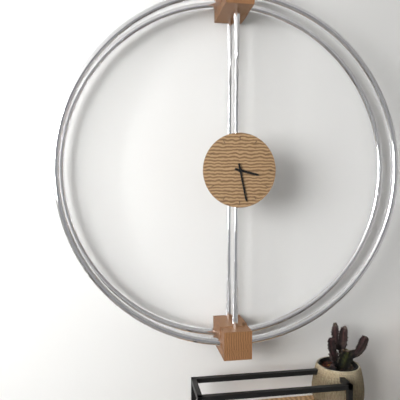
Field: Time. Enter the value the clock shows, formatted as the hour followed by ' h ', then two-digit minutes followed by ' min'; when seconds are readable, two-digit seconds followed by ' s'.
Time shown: 3 h 28 min
